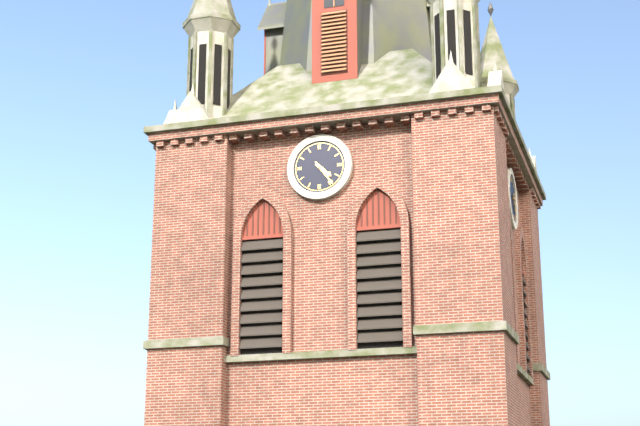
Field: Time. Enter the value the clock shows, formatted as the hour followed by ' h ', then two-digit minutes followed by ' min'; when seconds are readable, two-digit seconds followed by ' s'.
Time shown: 4 h 24 min
